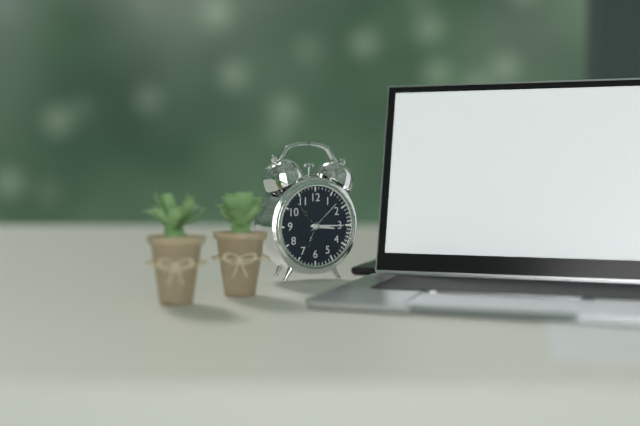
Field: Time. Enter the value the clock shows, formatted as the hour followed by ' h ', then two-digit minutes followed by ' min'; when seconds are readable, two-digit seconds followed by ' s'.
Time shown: 3 h 15 min
